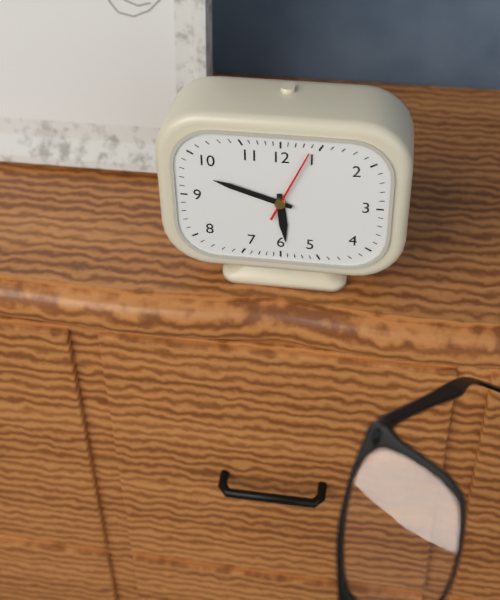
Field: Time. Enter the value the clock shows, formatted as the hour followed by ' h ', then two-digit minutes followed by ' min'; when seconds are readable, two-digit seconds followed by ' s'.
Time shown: 5 h 48 min 04 s
